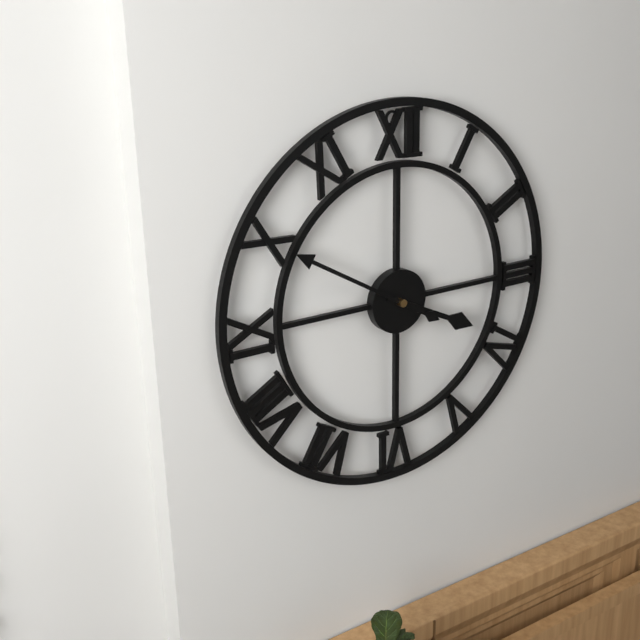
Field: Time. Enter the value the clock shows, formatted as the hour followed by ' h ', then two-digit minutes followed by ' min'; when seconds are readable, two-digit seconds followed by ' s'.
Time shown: 3 h 50 min
